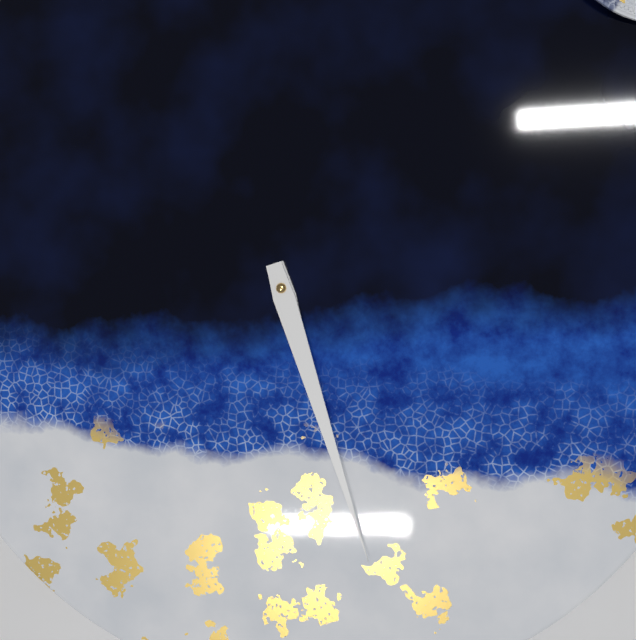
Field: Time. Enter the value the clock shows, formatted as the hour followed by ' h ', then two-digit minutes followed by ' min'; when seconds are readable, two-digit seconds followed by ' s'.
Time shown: 5 h 27 min
